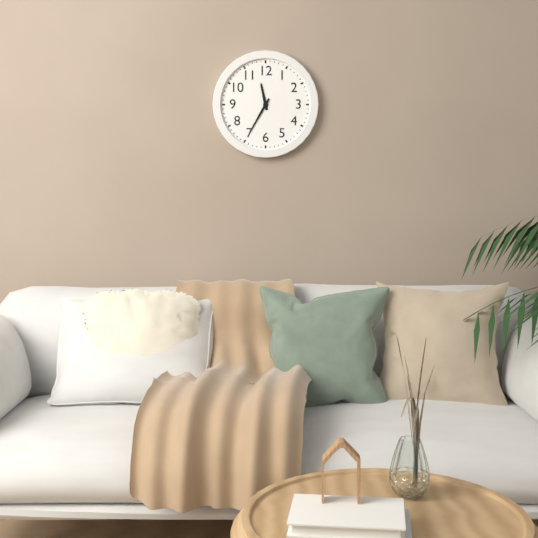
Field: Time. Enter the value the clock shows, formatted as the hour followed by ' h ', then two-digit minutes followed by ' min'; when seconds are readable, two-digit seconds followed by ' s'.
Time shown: 11 h 35 min
